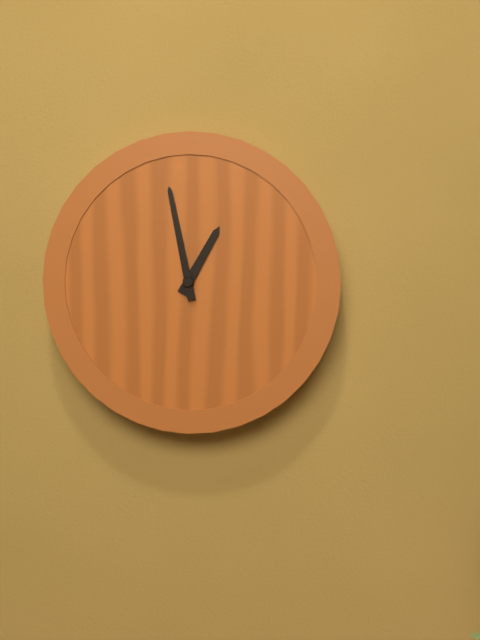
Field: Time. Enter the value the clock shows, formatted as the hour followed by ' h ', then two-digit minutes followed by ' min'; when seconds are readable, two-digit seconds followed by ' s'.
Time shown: 12 h 58 min
